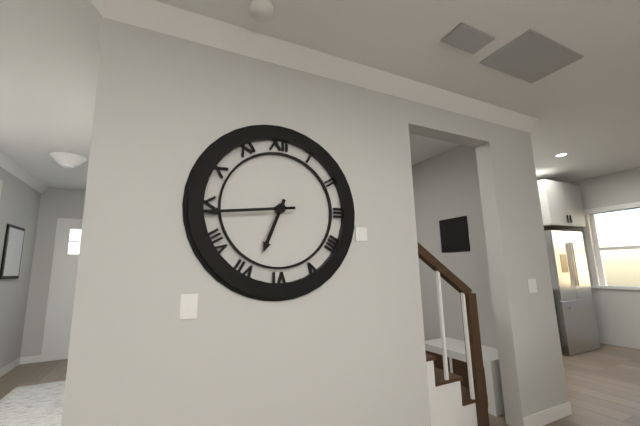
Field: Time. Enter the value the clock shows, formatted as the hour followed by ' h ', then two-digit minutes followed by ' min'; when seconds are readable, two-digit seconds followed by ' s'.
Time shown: 6 h 44 min
